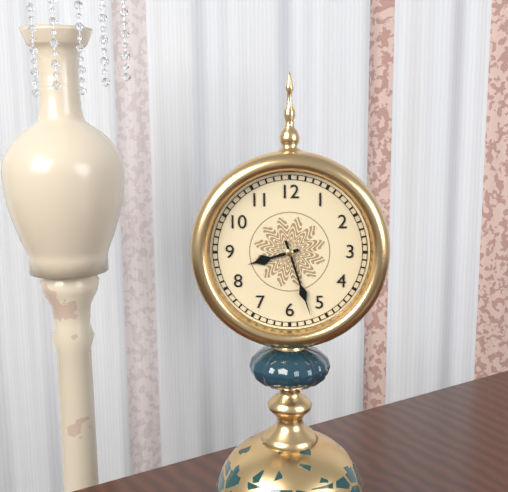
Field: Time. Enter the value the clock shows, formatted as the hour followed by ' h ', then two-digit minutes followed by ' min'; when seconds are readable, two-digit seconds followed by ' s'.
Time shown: 8 h 27 min
